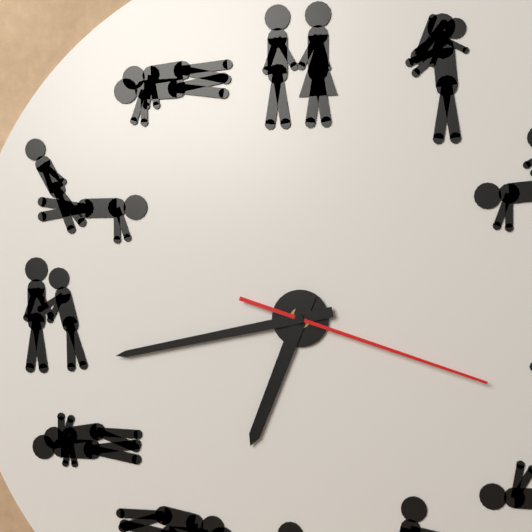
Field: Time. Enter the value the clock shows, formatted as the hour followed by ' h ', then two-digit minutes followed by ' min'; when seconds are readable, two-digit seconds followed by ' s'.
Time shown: 6 h 43 min 18 s
